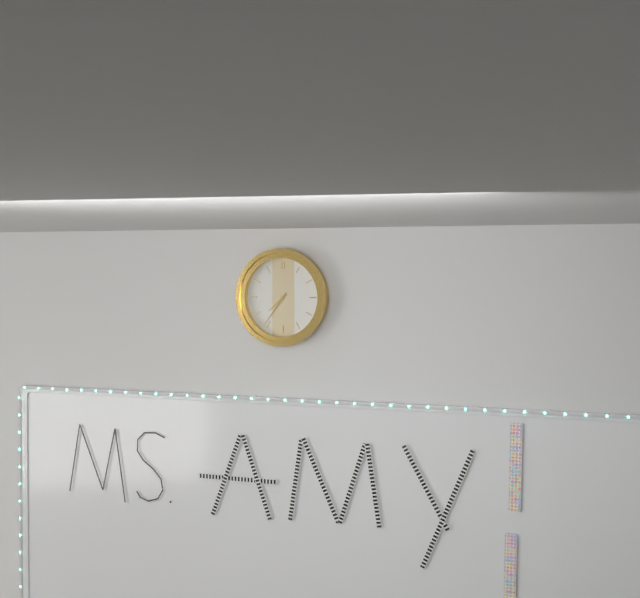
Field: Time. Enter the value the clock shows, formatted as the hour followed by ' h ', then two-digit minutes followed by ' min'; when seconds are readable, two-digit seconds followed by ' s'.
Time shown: 7 h 36 min
